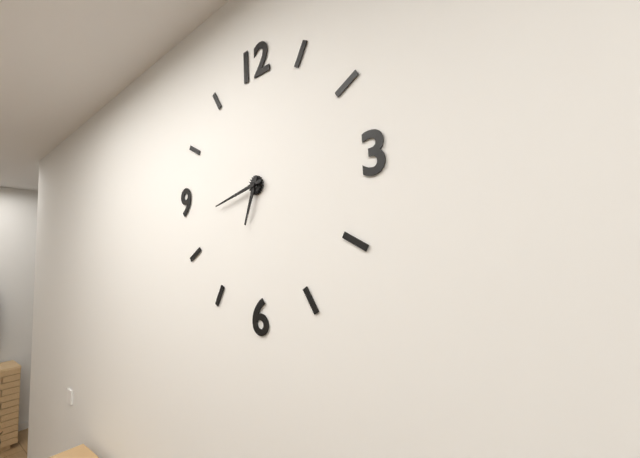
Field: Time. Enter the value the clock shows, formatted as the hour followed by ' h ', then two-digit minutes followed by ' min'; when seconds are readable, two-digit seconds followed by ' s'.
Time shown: 6 h 43 min
